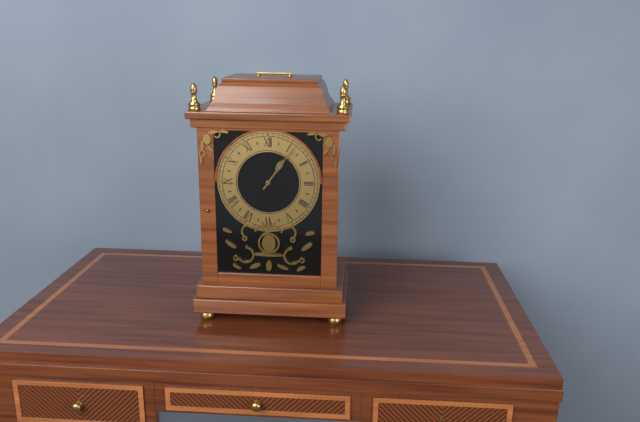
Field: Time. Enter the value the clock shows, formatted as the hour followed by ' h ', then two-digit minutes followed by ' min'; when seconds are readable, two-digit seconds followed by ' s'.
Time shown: 1 h 06 min
